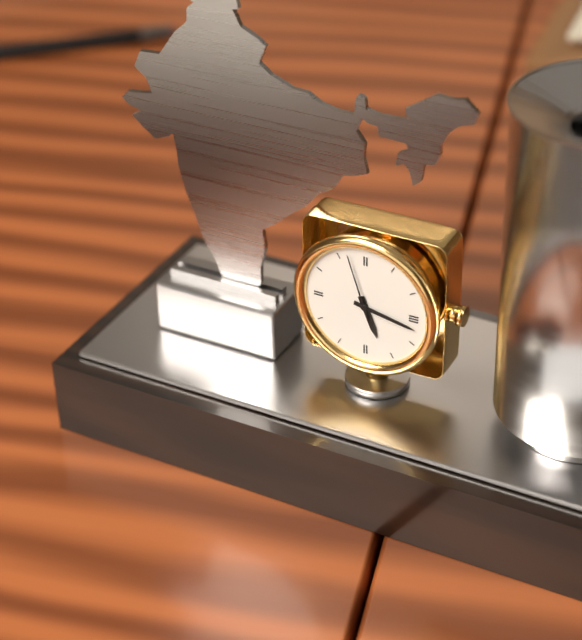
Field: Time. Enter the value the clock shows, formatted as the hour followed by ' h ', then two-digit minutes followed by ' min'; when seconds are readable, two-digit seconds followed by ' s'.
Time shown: 5 h 17 min 57 s
